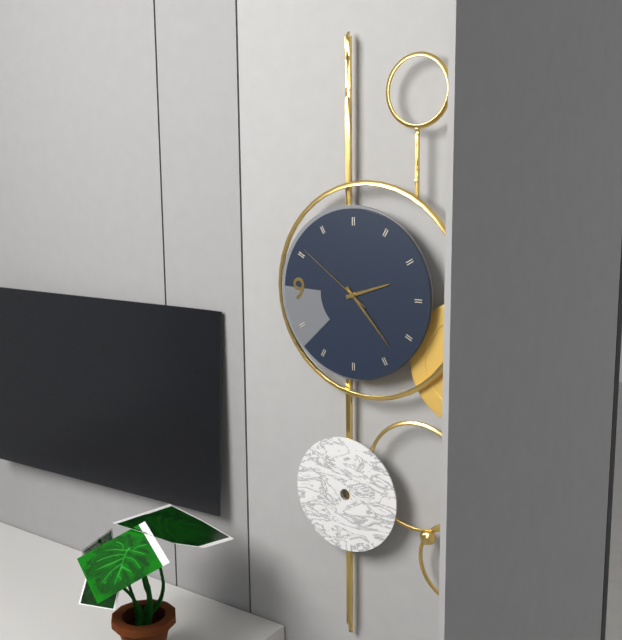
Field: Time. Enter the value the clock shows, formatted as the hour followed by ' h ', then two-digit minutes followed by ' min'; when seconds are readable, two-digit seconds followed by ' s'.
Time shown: 2 h 23 min 51 s
